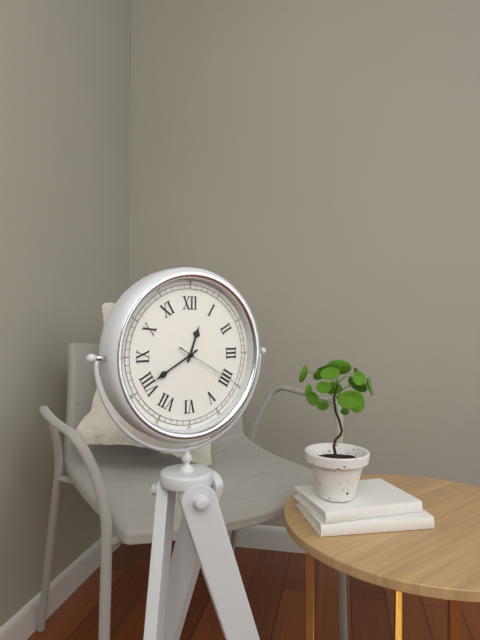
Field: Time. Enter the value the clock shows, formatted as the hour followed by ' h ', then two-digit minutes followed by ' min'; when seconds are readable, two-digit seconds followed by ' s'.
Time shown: 12 h 40 min 20 s
